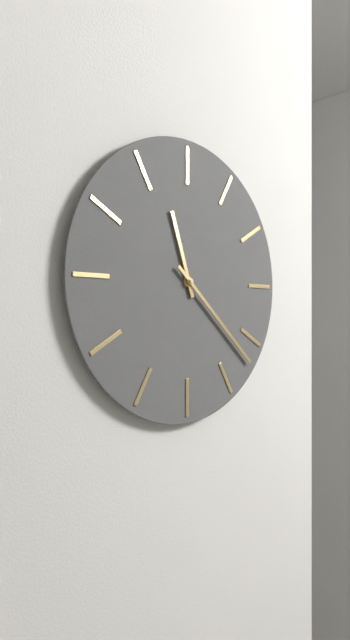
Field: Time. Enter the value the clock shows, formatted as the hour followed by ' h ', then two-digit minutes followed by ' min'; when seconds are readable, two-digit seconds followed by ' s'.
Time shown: 11 h 22 min
